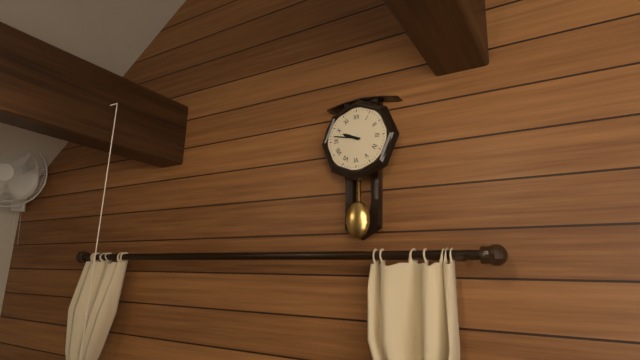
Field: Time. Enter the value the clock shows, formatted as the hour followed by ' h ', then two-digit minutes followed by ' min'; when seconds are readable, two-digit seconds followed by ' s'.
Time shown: 9 h 47 min
